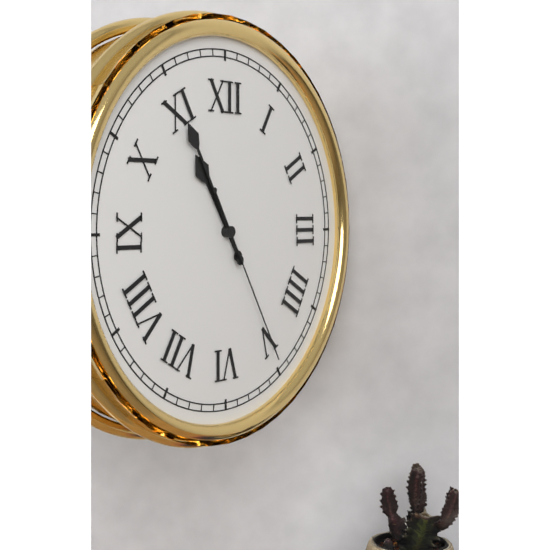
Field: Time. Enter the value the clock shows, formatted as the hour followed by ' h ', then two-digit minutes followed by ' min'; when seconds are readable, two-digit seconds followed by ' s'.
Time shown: 10 h 55 min 25 s
